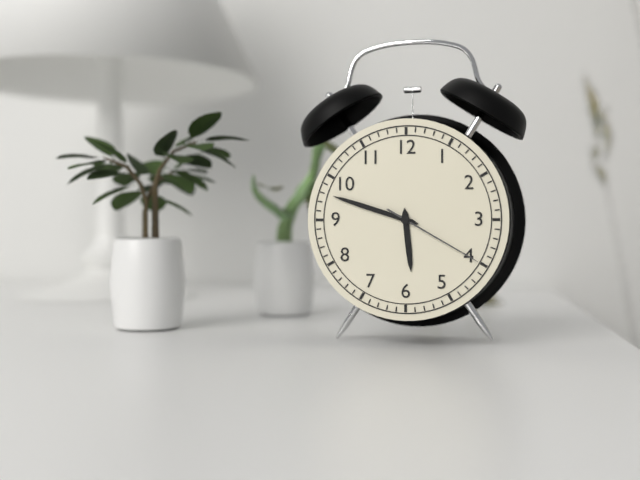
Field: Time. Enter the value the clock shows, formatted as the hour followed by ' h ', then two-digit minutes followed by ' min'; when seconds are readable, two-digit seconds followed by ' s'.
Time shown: 5 h 48 min 20 s
